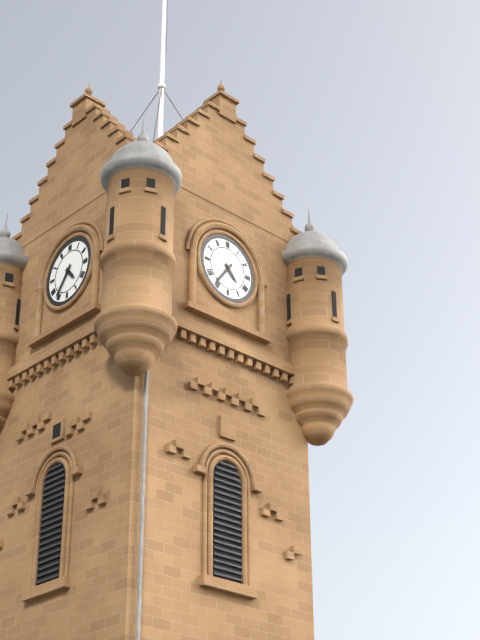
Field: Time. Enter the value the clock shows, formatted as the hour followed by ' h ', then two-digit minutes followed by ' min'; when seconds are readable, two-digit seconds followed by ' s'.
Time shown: 4 h 36 min
